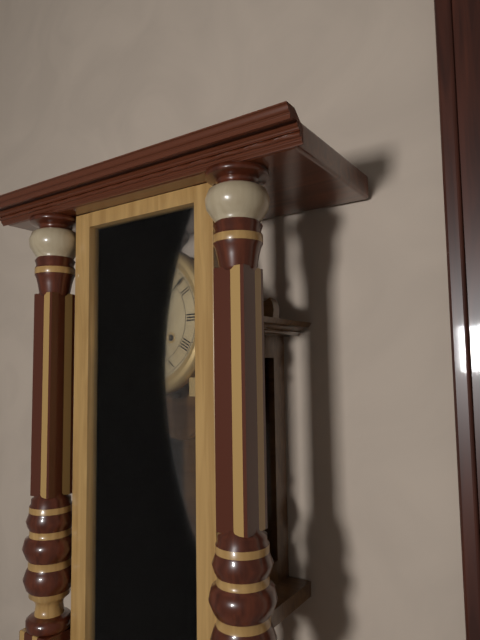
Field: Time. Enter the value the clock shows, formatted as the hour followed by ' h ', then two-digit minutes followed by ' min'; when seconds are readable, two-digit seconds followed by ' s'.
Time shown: 5 h 08 min
